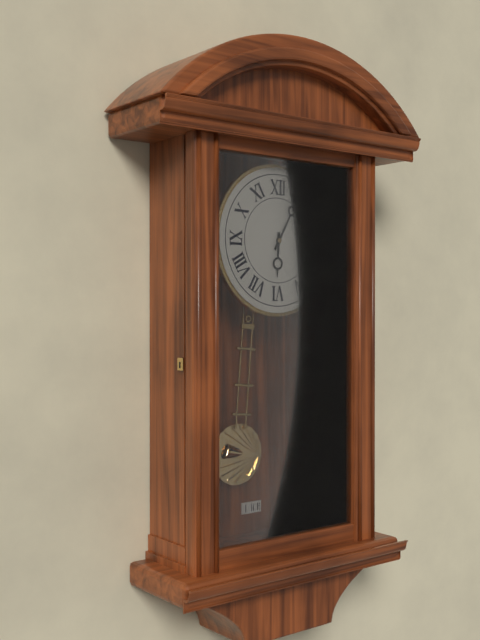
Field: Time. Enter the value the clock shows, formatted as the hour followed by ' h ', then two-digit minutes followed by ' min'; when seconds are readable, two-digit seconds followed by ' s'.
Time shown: 6 h 05 min
